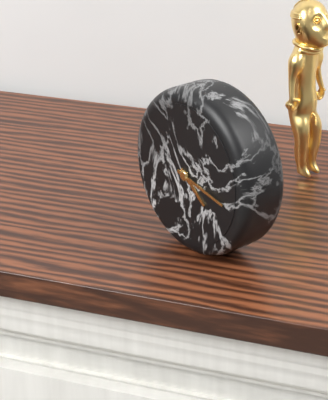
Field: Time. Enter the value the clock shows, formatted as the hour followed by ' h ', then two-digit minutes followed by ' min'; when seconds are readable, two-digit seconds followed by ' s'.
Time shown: 4 h 17 min
